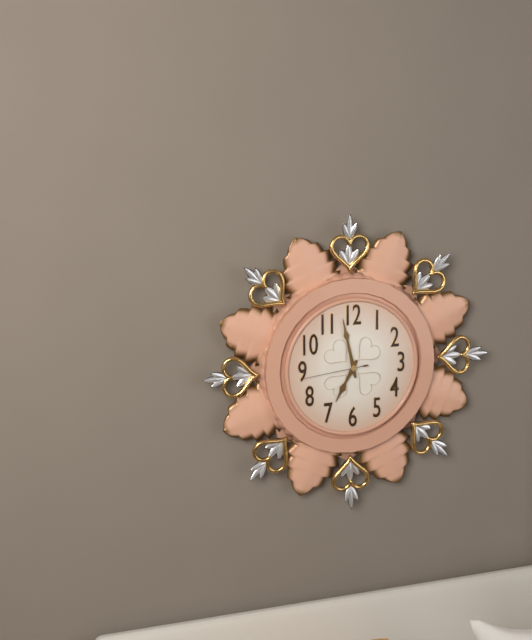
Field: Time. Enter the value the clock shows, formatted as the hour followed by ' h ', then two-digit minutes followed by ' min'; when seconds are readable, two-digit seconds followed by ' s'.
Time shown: 6 h 58 min 44 s
